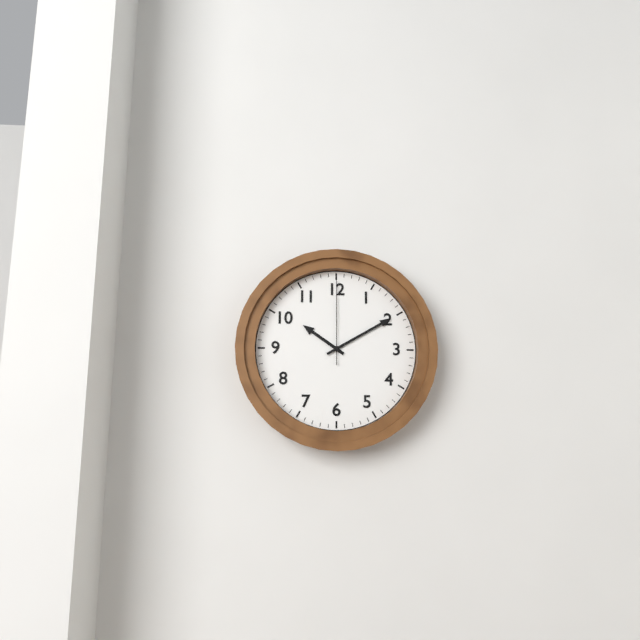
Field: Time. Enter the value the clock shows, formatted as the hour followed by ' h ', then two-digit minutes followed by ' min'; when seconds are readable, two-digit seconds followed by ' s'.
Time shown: 10 h 10 min 00 s
